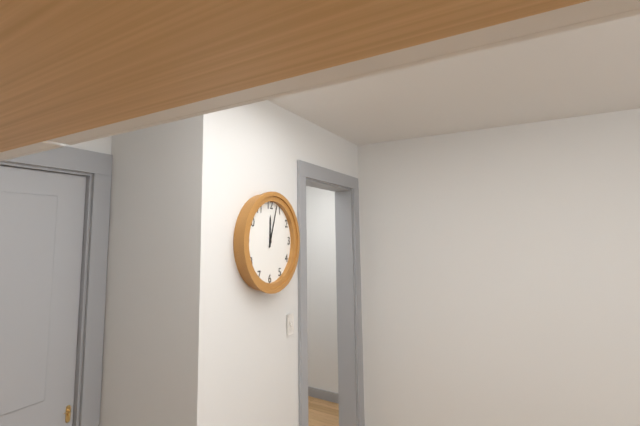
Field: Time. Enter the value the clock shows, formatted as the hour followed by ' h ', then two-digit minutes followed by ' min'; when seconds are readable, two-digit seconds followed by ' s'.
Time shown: 12 h 03 min
